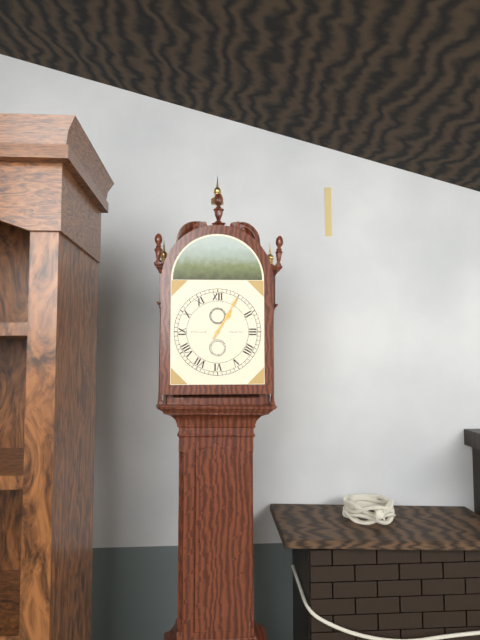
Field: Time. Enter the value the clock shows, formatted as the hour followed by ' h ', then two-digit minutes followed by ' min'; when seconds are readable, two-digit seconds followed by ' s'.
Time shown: 1 h 05 min
